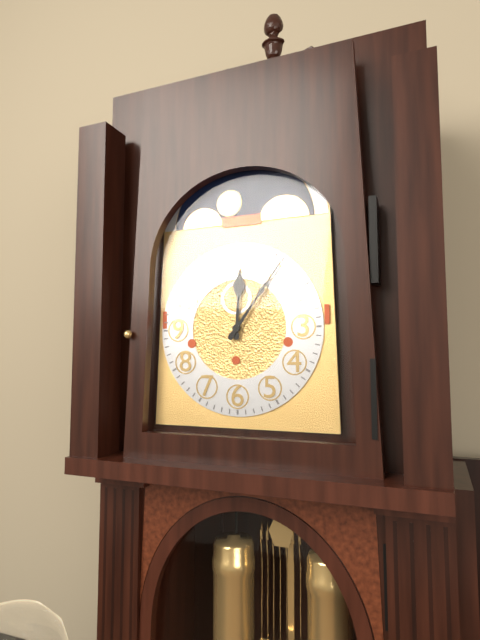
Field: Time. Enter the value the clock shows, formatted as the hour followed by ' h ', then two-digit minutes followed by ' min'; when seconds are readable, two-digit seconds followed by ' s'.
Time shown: 12 h 06 min
